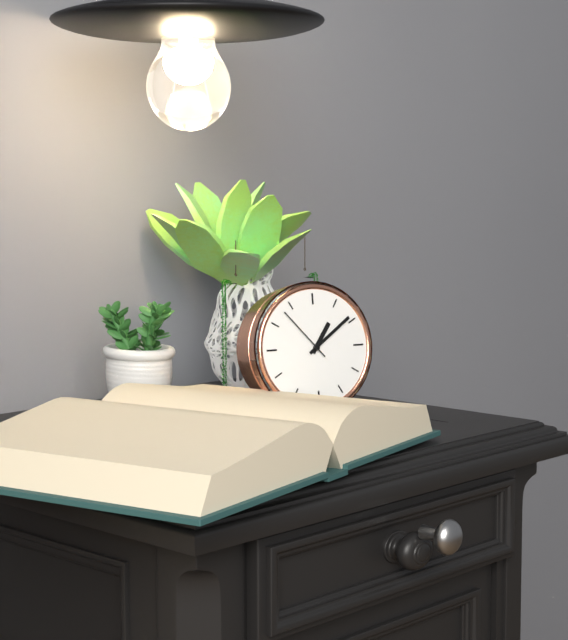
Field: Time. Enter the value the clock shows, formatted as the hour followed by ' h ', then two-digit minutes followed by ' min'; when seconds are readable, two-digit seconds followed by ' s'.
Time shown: 1 h 09 min 53 s
